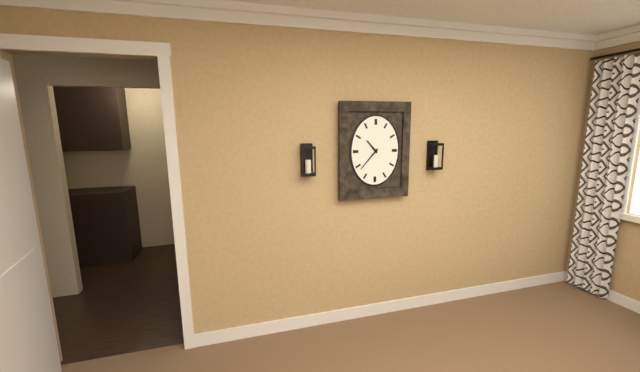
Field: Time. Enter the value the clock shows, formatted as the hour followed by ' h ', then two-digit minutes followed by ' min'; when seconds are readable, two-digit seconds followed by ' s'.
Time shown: 10 h 37 min
